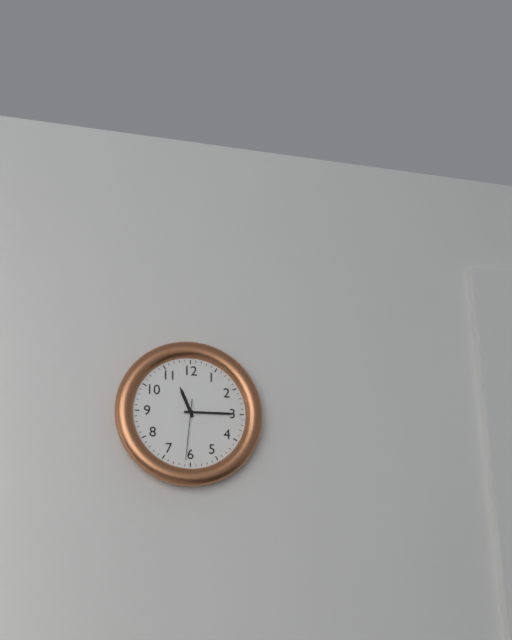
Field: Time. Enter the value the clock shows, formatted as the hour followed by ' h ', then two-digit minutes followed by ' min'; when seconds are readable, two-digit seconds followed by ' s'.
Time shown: 11 h 15 min 31 s
